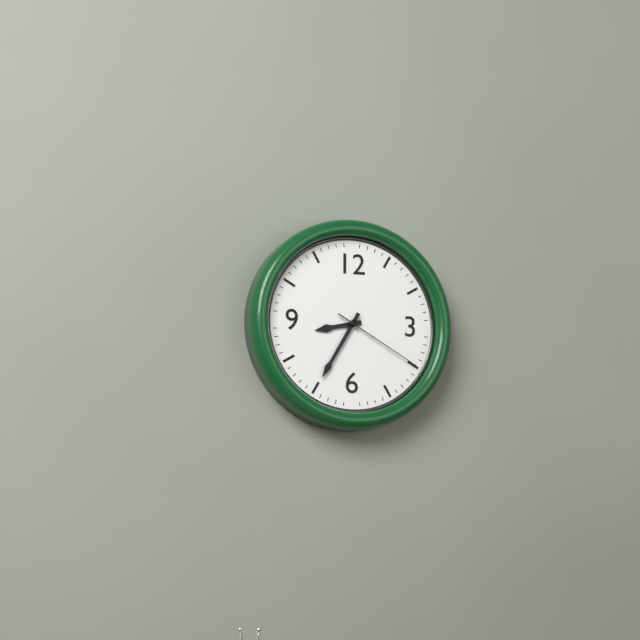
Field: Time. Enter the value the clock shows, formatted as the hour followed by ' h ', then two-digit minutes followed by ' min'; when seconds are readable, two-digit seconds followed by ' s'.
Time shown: 8 h 35 min 20 s
